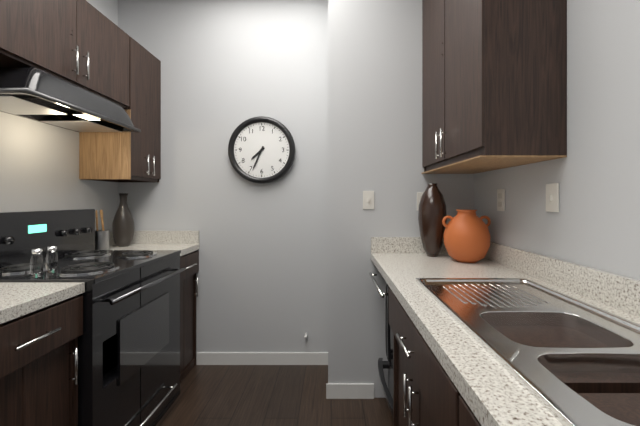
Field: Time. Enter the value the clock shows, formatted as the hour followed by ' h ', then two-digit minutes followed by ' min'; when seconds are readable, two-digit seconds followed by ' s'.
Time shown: 7 h 34 min
